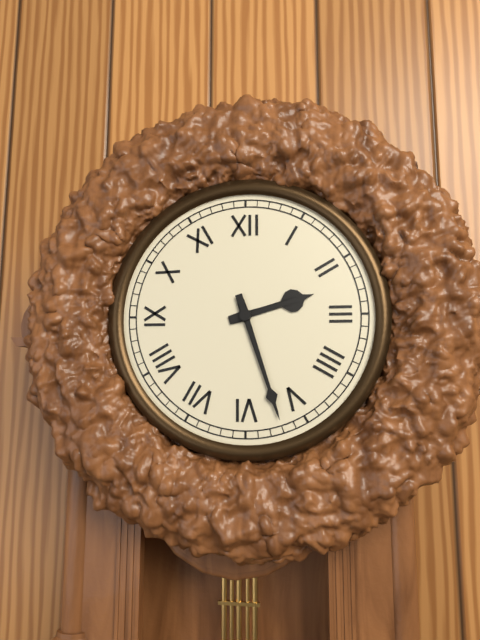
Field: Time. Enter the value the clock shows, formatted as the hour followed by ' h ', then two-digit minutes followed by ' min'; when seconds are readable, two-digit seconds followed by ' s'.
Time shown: 2 h 27 min
